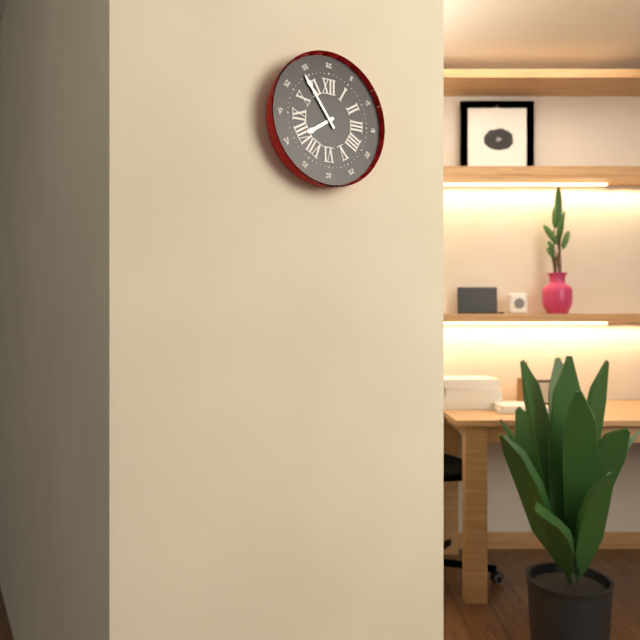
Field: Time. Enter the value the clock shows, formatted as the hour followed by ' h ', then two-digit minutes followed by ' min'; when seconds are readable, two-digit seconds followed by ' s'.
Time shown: 7 h 54 min
